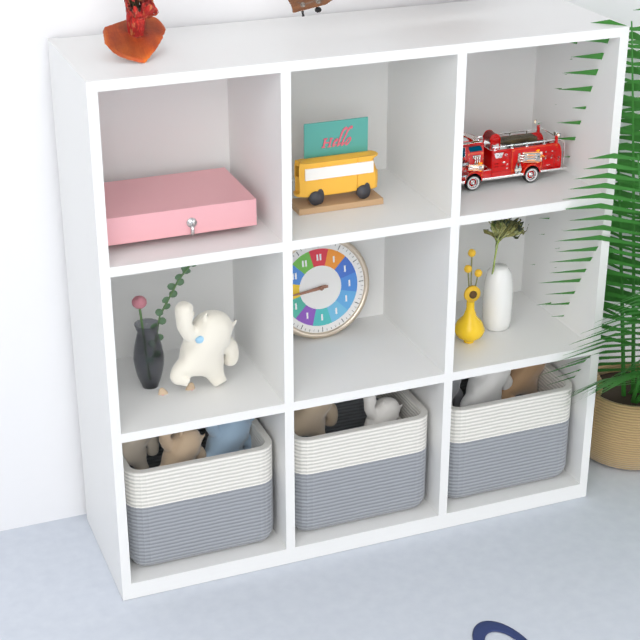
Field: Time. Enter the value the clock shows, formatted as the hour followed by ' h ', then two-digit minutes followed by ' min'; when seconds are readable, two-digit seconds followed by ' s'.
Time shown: 8 h 44 min
